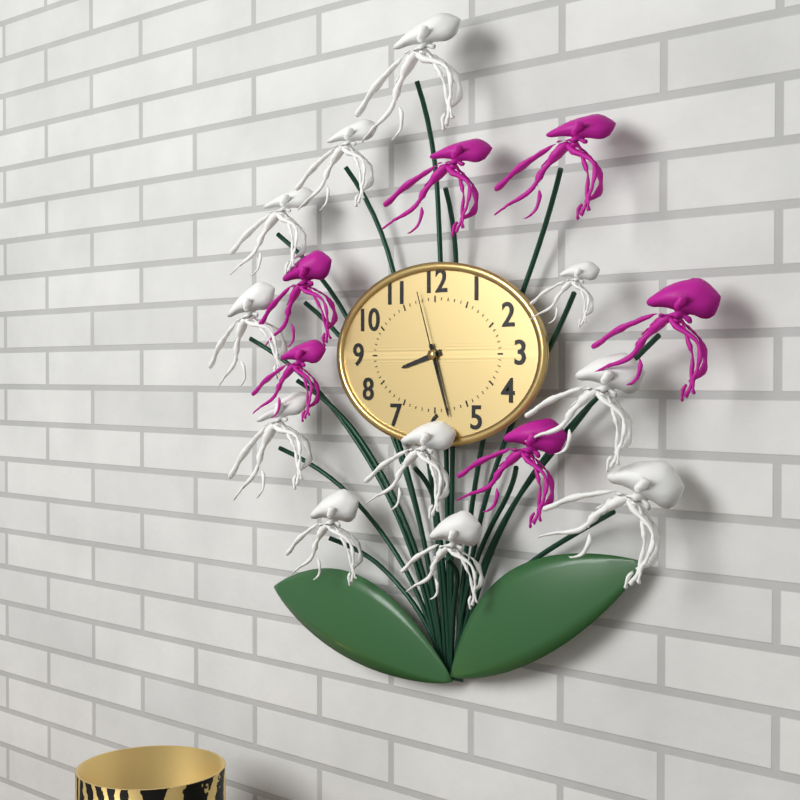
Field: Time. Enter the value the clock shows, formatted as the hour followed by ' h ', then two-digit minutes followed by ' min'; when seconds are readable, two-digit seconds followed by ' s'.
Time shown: 8 h 27 min 57 s
